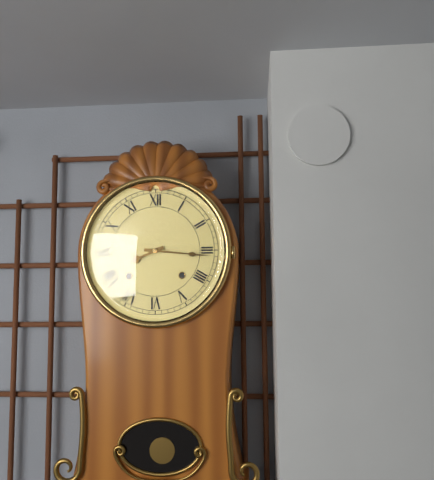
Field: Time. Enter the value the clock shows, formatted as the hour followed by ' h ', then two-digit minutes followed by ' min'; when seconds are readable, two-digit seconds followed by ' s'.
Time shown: 8 h 16 min
